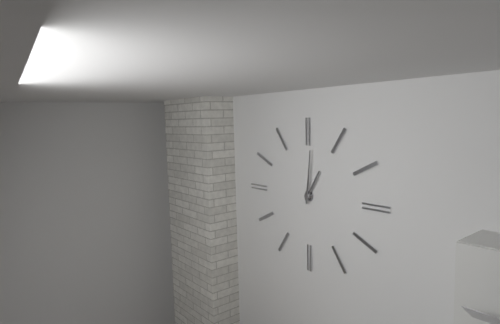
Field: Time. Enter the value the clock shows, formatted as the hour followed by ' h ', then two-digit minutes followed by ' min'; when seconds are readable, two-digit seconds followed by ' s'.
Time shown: 1 h 01 min
